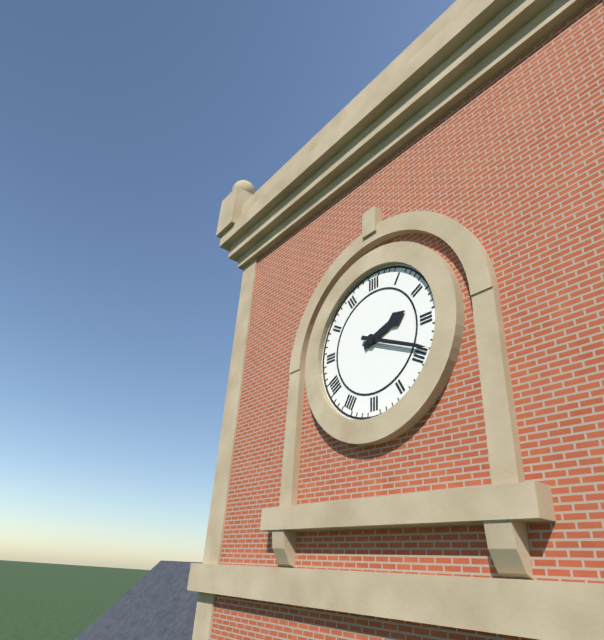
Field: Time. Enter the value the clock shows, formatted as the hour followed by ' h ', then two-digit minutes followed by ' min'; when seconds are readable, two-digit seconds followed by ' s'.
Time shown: 2 h 19 min
